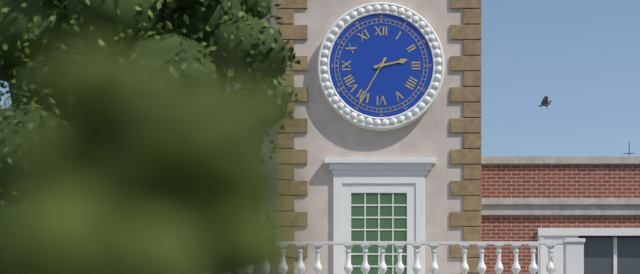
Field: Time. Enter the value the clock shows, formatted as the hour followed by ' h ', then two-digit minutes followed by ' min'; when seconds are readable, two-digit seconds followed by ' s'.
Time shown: 2 h 35 min
